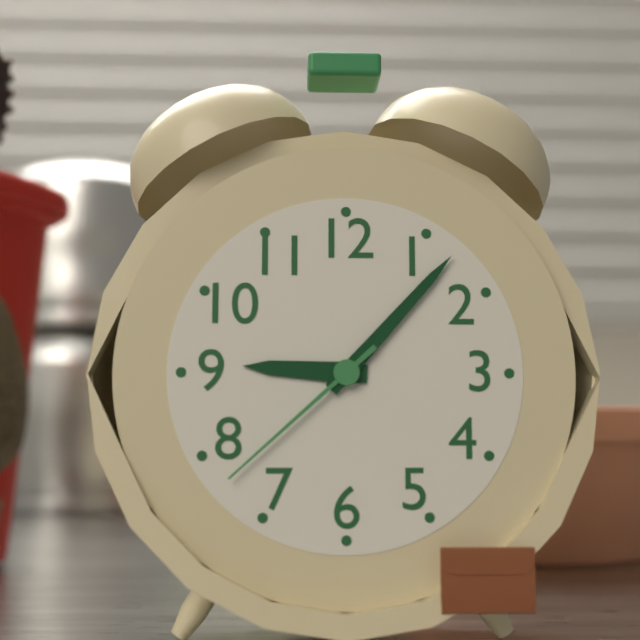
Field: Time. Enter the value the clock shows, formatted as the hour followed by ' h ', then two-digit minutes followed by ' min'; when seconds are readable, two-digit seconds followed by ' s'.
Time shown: 9 h 07 min 38 s
